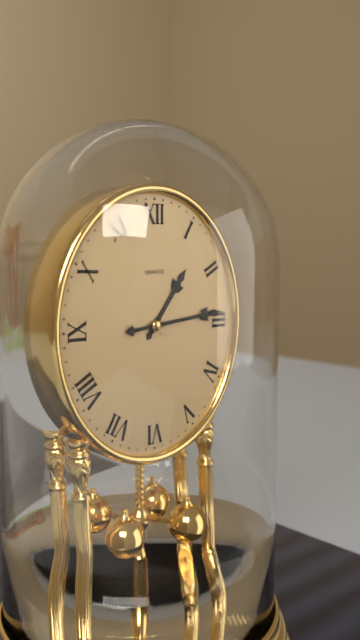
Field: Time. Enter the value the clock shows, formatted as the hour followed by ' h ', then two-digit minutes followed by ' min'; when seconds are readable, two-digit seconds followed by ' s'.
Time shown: 1 h 14 min
